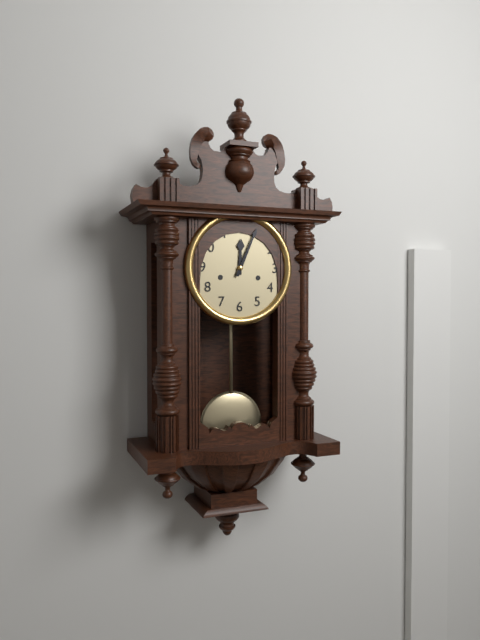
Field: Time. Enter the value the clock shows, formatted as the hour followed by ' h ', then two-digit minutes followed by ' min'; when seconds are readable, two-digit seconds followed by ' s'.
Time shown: 12 h 04 min
